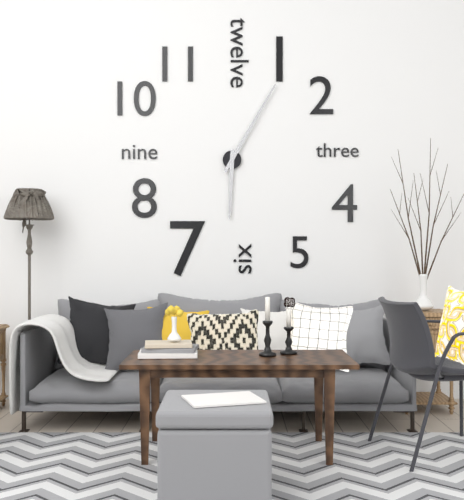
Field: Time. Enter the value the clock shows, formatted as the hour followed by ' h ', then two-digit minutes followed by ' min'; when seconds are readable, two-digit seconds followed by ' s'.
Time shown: 6 h 05 min
